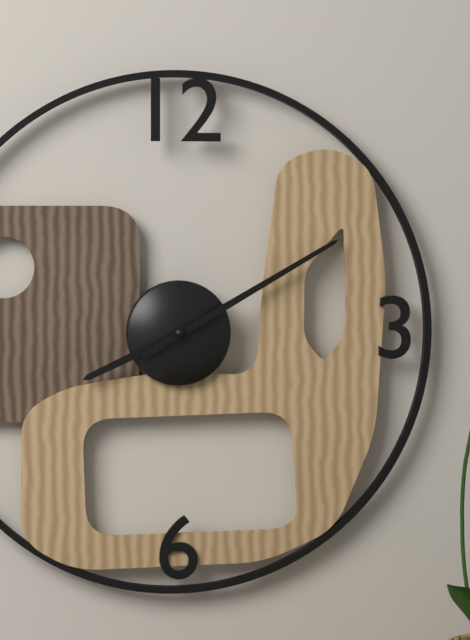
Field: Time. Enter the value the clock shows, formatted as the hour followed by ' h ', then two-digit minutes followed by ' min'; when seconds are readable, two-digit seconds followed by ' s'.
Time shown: 8 h 10 min
